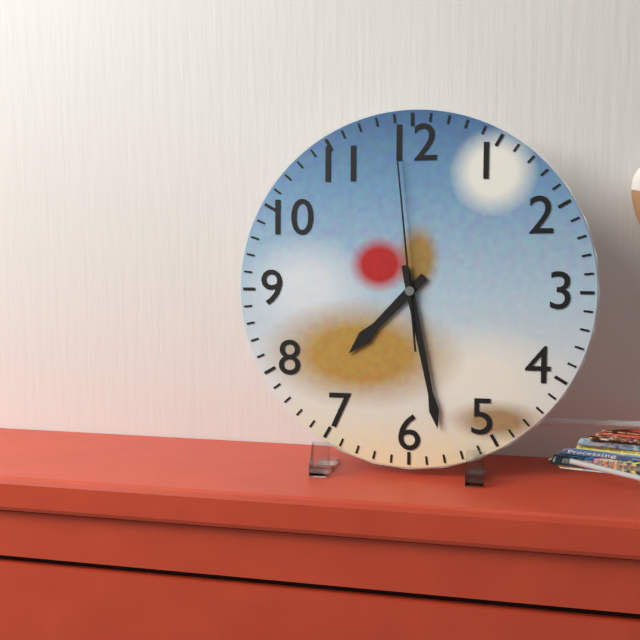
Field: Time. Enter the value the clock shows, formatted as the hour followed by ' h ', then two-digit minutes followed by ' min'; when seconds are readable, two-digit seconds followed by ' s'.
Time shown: 7 h 28 min 59 s
